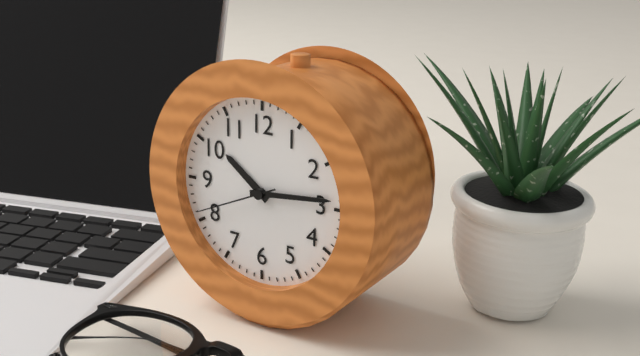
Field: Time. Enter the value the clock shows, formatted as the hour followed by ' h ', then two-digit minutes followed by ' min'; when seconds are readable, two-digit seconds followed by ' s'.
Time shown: 10 h 14 min 41 s
